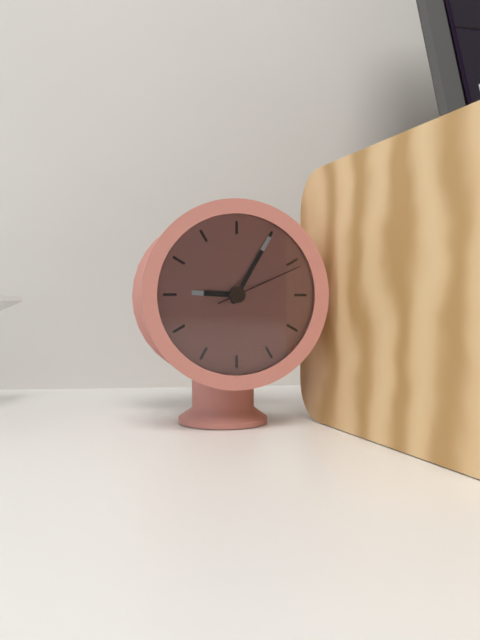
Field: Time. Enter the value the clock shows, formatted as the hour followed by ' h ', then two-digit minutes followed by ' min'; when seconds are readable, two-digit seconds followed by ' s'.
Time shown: 9 h 05 min 11 s
